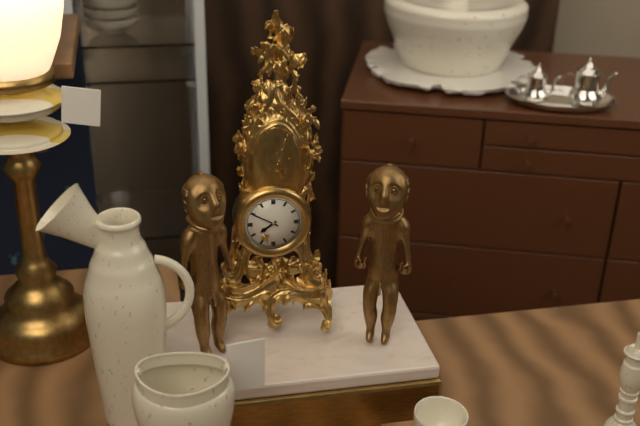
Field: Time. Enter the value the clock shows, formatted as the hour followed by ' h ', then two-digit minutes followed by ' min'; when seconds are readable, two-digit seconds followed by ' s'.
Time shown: 7 h 50 min
